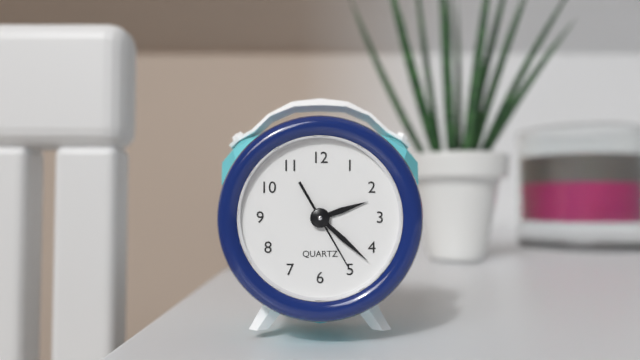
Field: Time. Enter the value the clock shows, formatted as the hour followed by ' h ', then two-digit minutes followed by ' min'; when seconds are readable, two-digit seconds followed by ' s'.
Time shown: 2 h 22 min 25 s
